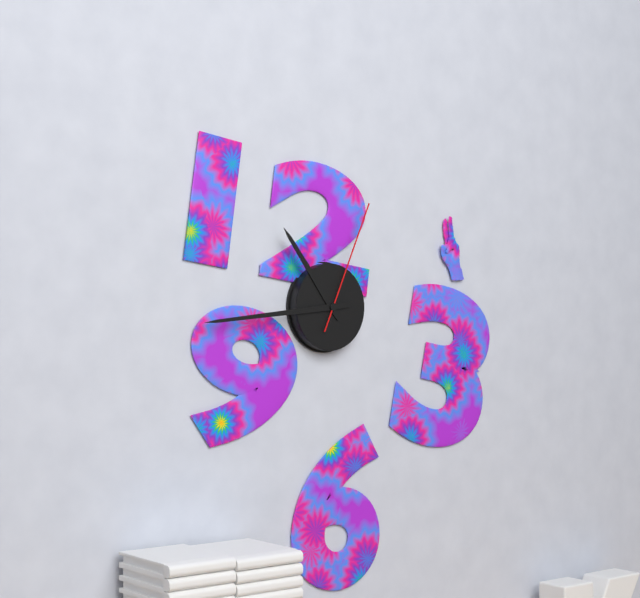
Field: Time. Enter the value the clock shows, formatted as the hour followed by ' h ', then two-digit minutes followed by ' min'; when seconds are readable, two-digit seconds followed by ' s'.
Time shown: 10 h 44 min 04 s
